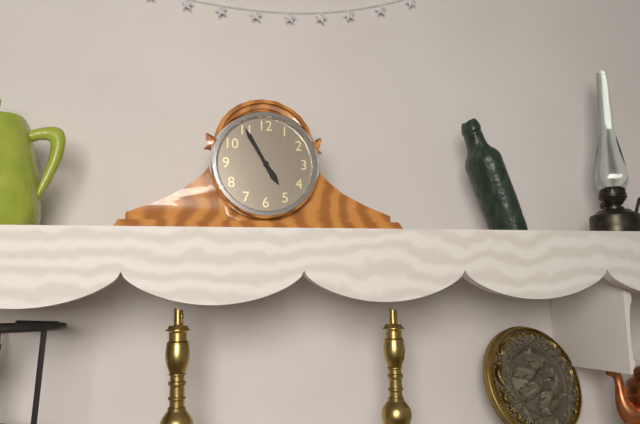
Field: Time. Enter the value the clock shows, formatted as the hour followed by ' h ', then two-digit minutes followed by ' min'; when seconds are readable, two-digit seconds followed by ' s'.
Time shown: 4 h 55 min
